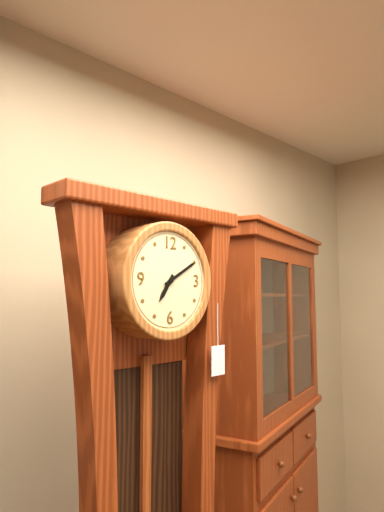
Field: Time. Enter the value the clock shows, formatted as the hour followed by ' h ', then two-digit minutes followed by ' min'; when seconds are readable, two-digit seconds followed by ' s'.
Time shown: 7 h 10 min
